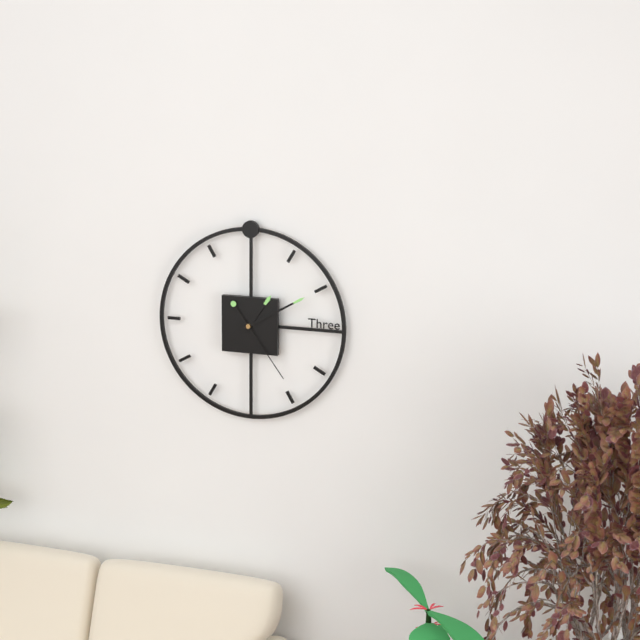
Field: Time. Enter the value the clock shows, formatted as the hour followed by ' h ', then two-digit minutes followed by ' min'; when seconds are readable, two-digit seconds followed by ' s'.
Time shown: 1 h 10 min 24 s
